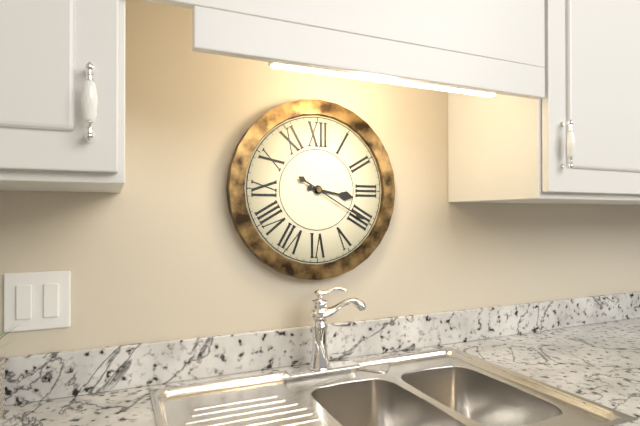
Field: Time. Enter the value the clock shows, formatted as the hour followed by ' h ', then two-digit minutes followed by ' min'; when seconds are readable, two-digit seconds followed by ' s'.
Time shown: 3 h 20 min
